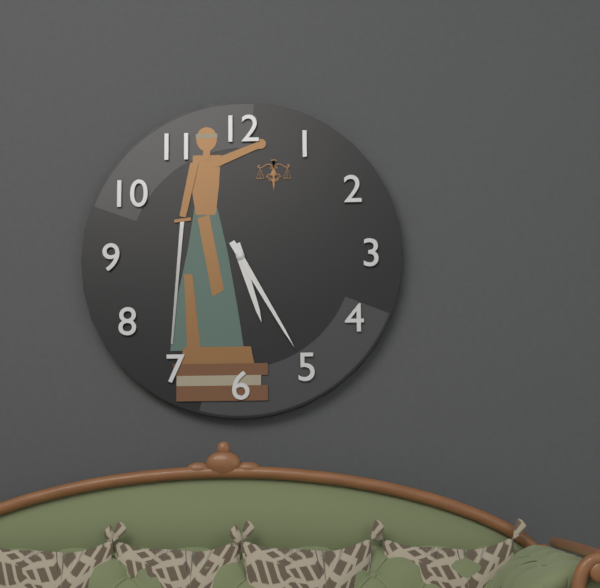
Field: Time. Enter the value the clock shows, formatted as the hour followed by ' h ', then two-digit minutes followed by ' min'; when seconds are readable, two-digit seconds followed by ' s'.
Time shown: 5 h 25 min
